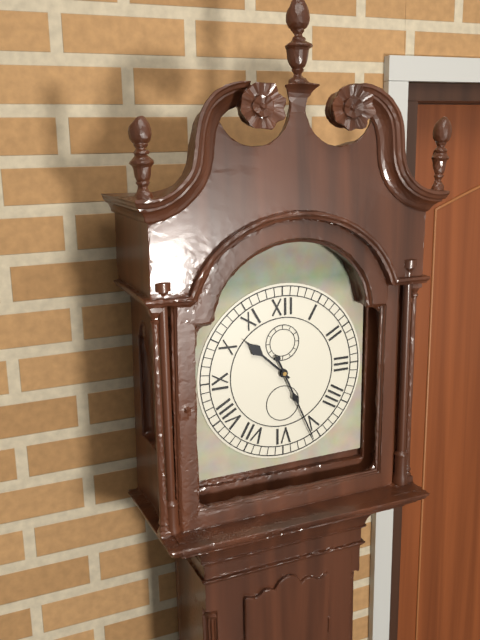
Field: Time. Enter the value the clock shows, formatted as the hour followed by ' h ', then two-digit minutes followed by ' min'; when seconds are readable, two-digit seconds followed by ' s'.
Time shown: 10 h 26 min
